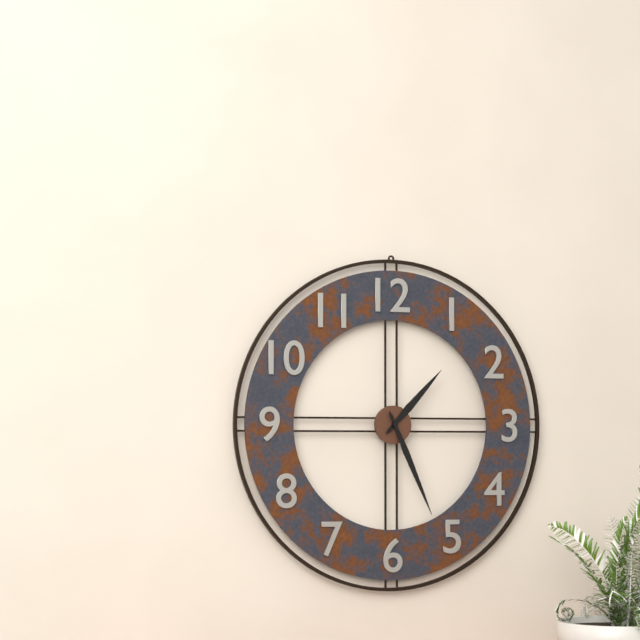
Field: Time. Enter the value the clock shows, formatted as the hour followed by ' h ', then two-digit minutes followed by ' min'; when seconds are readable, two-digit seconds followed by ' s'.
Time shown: 1 h 26 min
